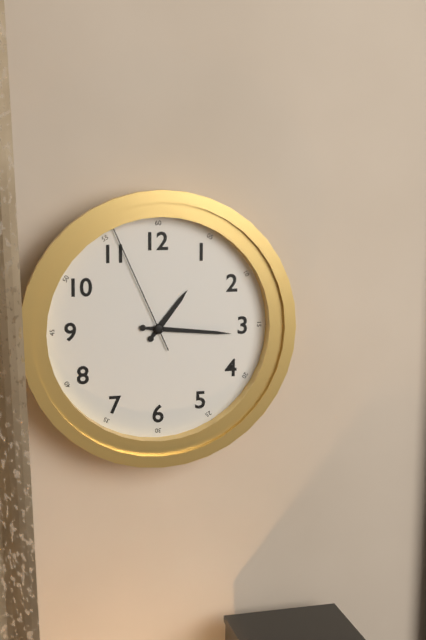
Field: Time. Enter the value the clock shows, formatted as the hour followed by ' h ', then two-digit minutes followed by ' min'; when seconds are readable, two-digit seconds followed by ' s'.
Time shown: 1 h 16 min 56 s
